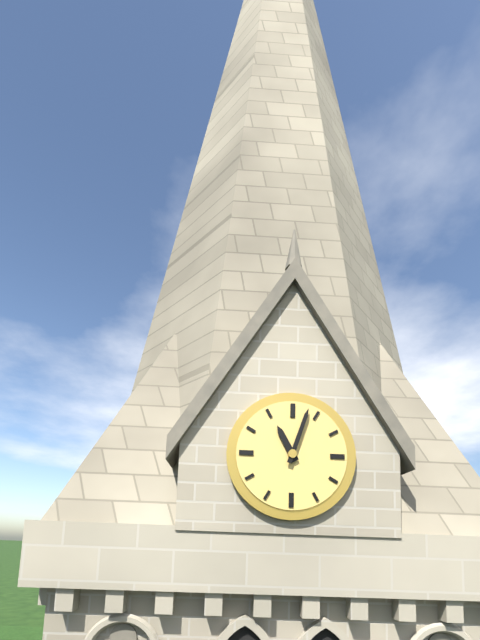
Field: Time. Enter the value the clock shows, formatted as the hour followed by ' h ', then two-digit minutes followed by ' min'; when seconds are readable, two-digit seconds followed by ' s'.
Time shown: 11 h 03 min
